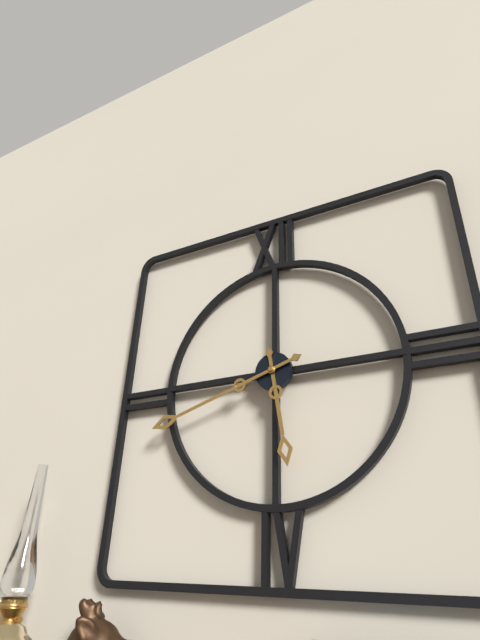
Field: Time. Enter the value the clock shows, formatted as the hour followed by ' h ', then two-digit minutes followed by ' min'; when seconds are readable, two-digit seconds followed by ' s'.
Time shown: 5 h 42 min
